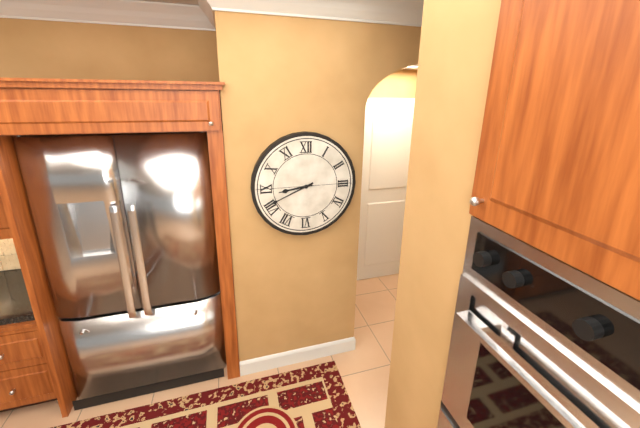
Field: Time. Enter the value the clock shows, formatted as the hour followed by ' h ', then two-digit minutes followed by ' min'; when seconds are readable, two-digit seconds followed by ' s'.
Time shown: 8 h 41 min
